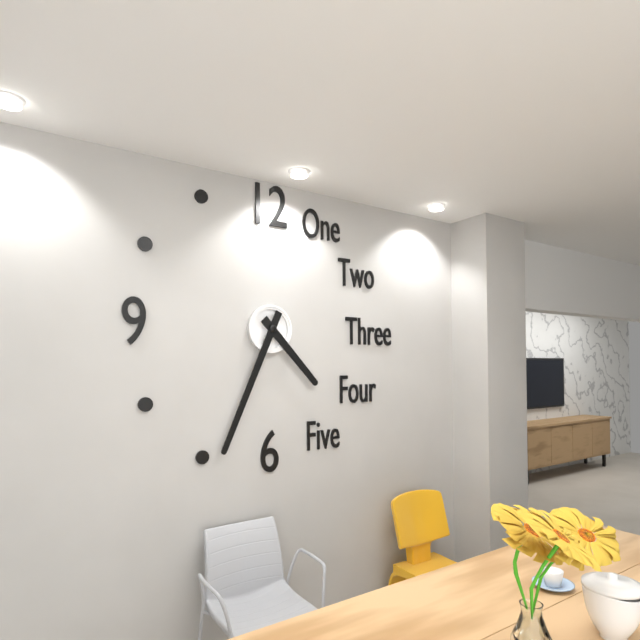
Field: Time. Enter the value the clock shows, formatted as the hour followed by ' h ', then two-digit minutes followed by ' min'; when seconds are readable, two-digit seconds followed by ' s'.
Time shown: 4 h 34 min
